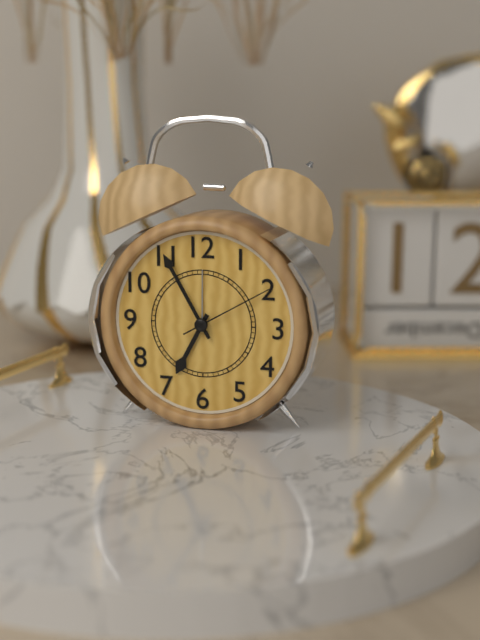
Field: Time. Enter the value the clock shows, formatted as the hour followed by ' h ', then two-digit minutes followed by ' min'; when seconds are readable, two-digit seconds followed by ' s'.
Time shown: 6 h 55 min 10 s
